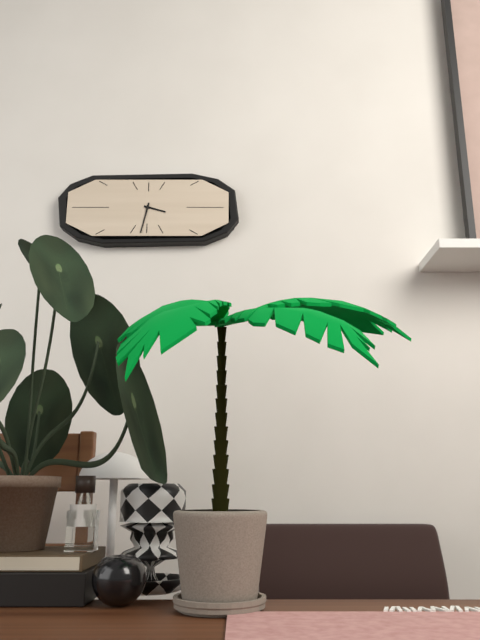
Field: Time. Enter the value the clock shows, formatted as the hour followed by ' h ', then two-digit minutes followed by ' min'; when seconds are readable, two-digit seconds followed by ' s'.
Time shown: 3 h 32 min
